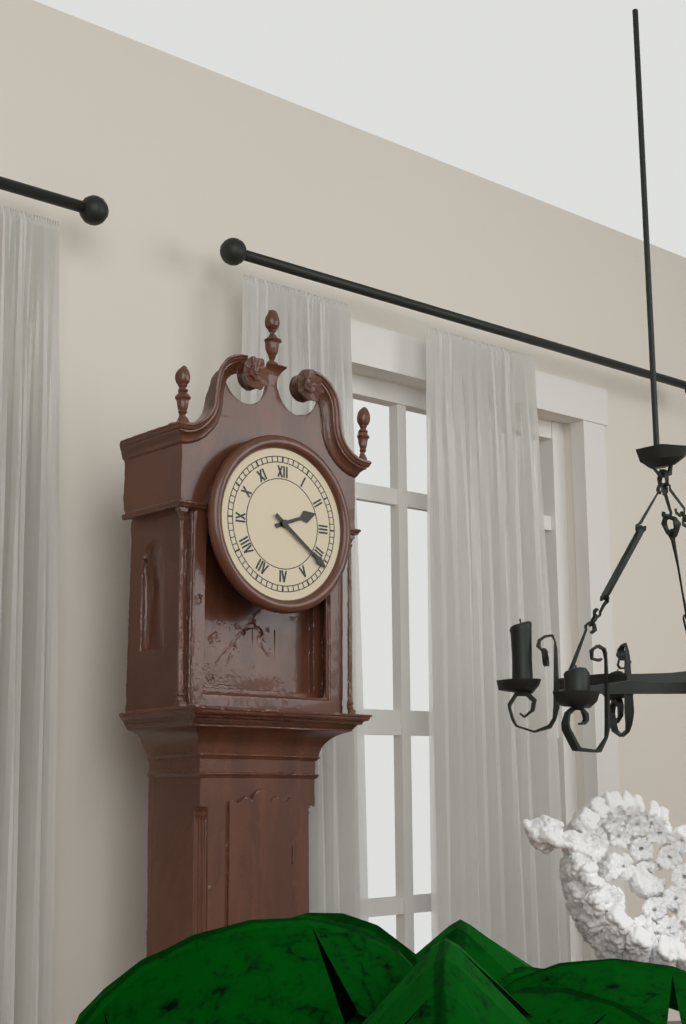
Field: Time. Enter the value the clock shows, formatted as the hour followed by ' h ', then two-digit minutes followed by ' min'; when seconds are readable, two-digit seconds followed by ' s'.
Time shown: 2 h 21 min
